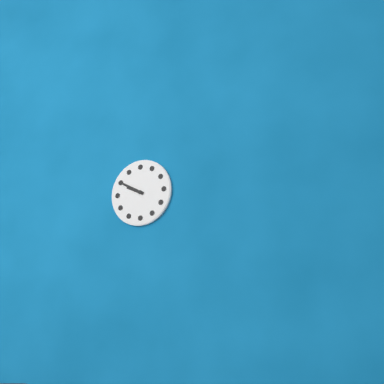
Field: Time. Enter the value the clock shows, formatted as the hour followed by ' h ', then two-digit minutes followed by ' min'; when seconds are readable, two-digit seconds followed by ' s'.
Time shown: 9 h 50 min
